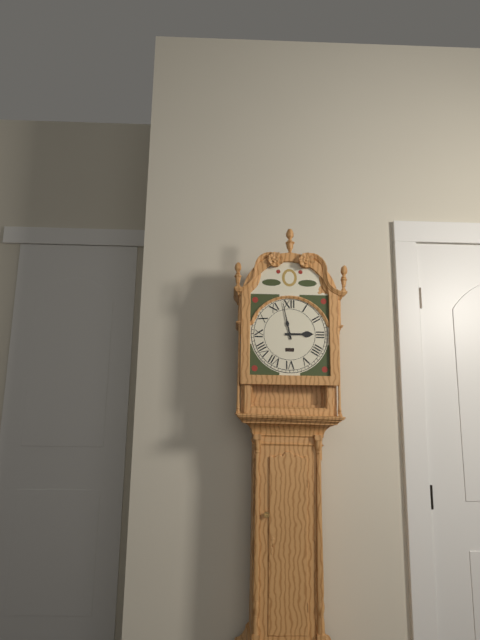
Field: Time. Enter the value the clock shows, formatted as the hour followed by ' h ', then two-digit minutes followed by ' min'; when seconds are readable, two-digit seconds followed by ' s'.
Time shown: 2 h 58 min
